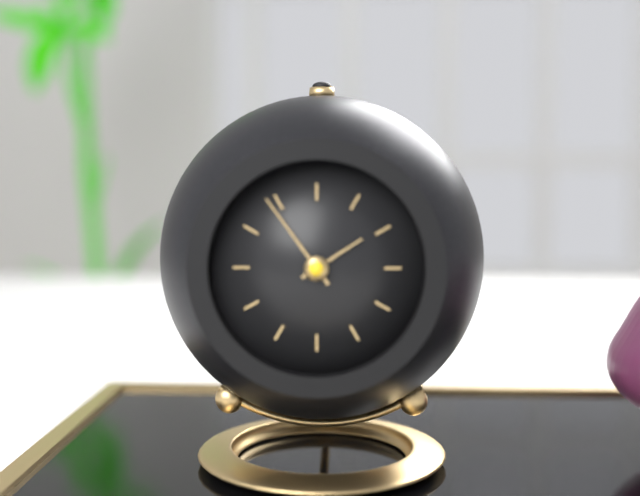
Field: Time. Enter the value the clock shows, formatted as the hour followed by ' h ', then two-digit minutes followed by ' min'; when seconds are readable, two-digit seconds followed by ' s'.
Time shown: 1 h 54 min
